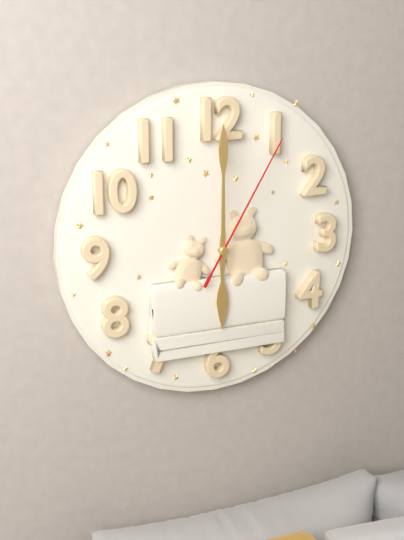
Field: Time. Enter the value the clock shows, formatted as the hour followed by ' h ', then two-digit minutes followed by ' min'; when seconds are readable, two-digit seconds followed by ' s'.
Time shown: 6 h 00 min 05 s
